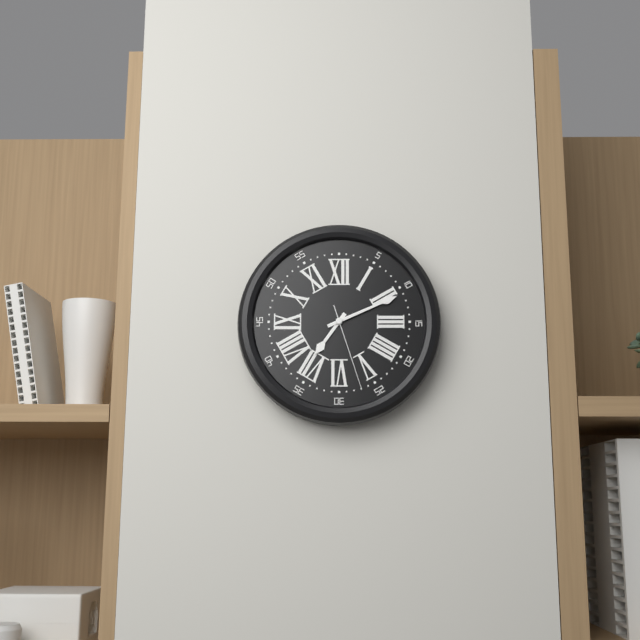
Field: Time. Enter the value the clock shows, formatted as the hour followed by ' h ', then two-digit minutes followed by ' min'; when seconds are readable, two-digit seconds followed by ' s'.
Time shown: 7 h 11 min 27 s
